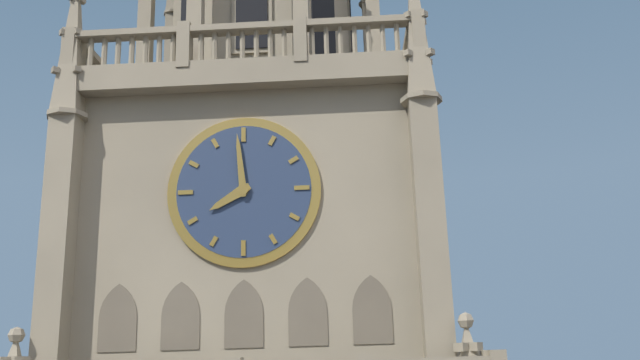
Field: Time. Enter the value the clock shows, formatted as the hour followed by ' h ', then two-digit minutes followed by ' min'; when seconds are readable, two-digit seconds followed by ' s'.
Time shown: 7 h 59 min
